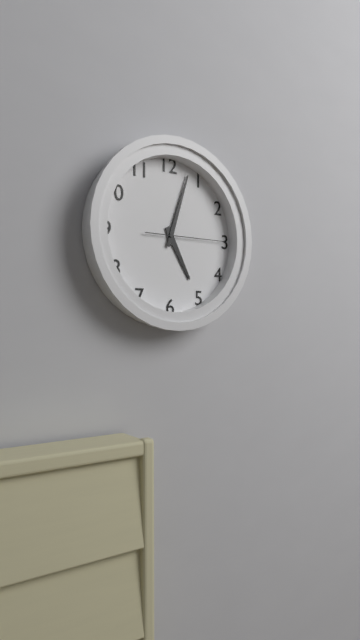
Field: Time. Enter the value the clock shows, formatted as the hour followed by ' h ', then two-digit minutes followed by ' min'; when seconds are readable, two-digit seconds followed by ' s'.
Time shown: 5 h 03 min 15 s
